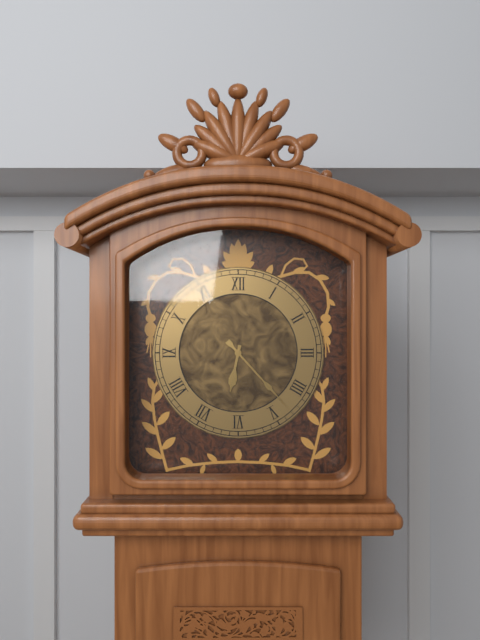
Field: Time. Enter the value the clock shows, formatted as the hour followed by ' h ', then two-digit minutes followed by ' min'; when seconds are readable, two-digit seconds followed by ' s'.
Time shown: 6 h 23 min
